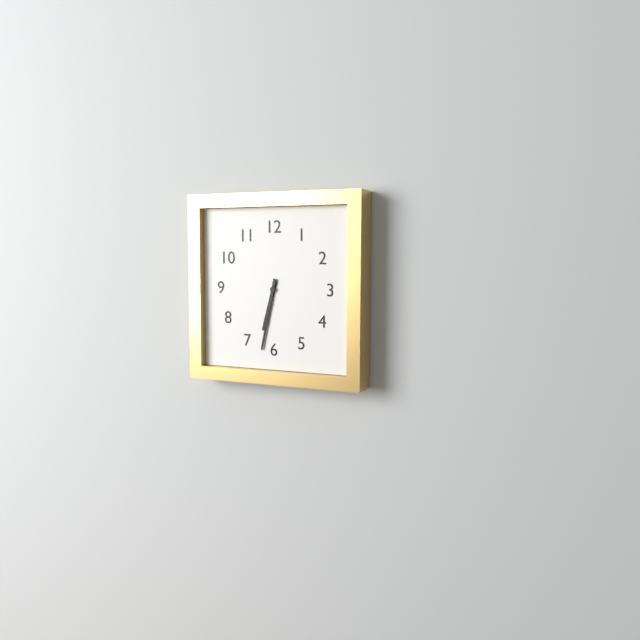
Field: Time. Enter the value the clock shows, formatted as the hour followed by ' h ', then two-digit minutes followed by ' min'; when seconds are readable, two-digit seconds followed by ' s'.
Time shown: 6 h 32 min
